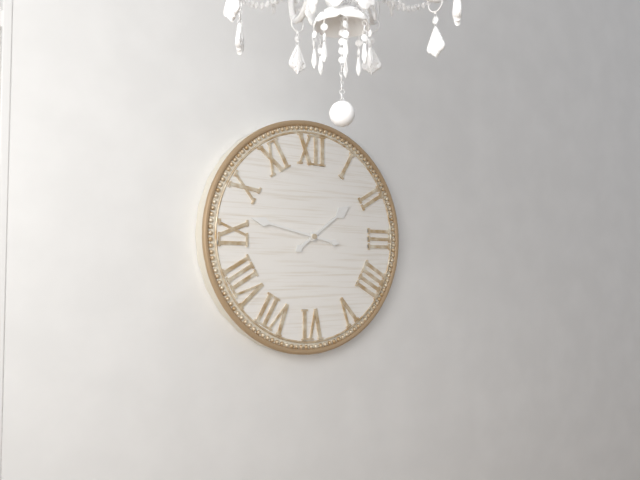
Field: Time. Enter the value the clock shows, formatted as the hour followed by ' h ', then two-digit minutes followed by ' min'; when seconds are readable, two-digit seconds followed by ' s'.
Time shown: 1 h 47 min
